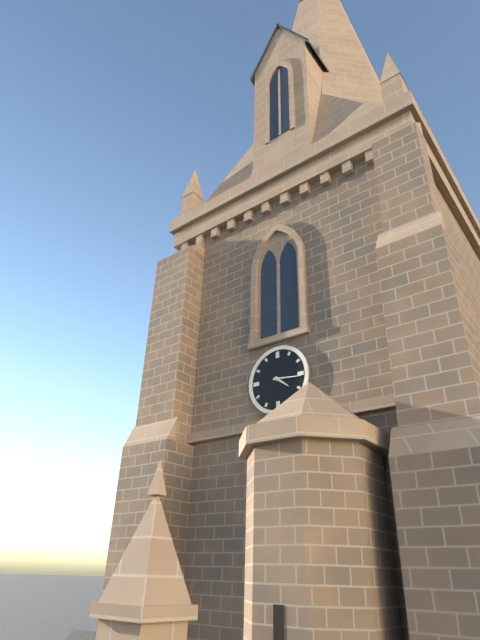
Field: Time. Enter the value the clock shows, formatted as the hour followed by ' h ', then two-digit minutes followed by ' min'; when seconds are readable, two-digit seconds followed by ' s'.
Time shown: 4 h 16 min
